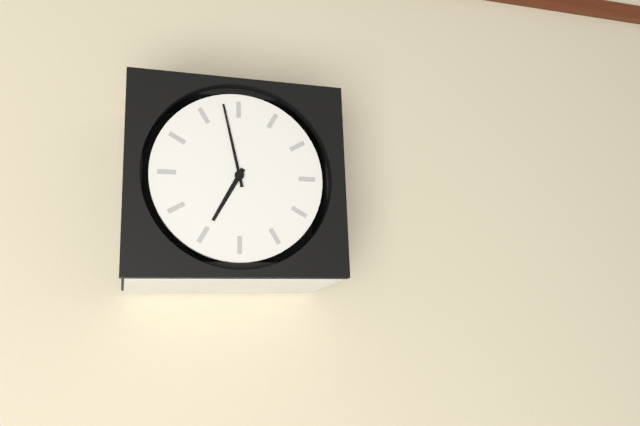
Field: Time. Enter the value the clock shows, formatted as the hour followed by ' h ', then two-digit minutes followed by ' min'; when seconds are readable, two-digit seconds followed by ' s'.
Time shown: 6 h 58 min
